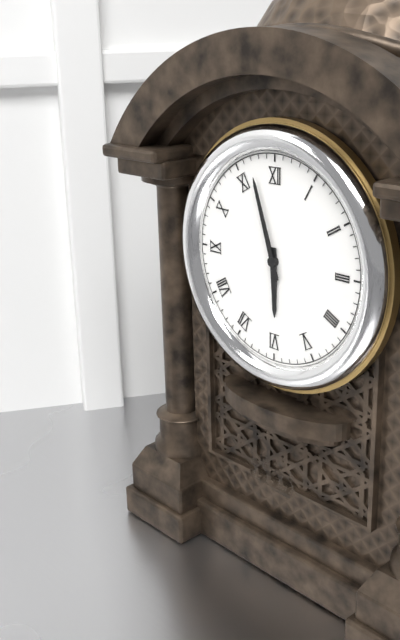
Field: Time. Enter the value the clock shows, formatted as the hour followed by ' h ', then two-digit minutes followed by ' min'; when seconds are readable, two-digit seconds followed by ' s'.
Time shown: 5 h 57 min
